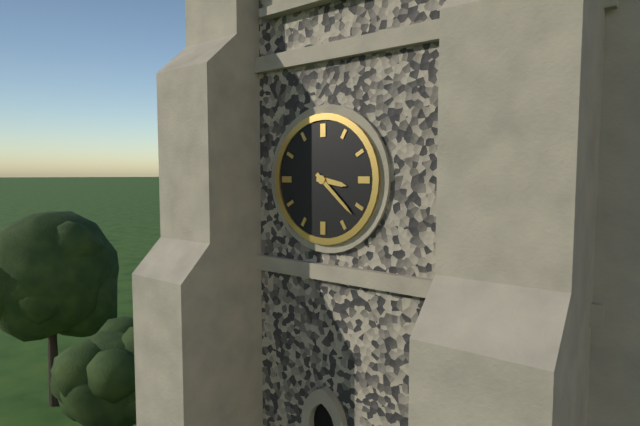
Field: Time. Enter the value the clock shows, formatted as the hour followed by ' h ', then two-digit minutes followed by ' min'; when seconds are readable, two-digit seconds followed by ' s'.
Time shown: 3 h 22 min
